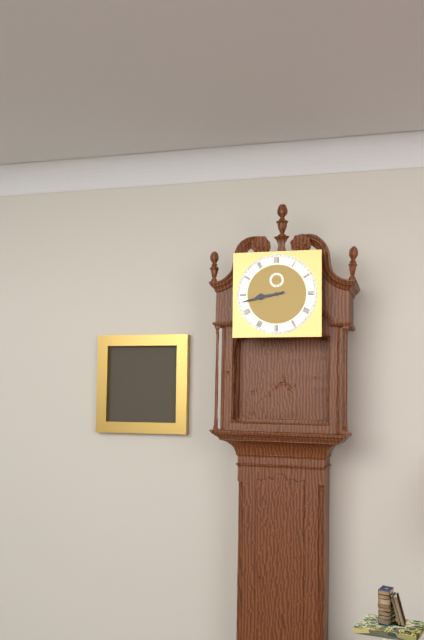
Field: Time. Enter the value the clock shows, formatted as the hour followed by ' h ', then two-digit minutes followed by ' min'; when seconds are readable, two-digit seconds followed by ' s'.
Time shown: 8 h 43 min
